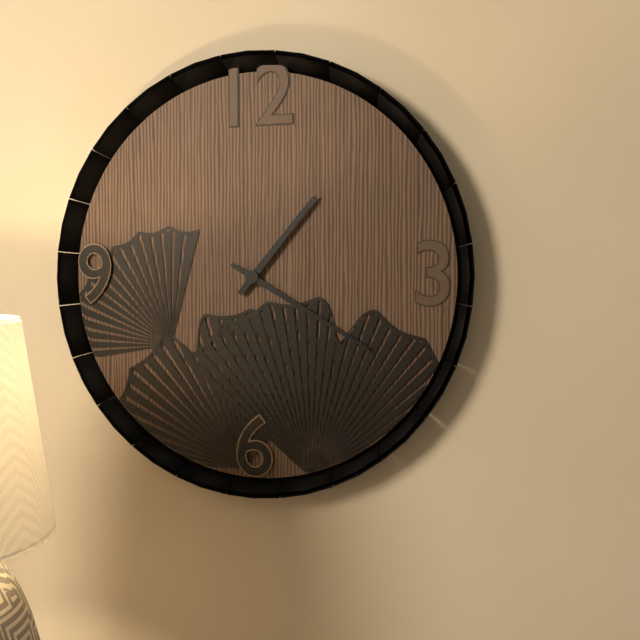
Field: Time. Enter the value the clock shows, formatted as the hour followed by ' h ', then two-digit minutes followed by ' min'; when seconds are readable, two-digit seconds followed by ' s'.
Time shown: 1 h 20 min
